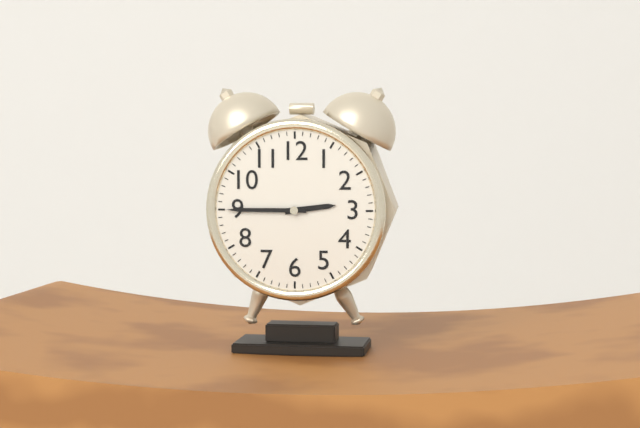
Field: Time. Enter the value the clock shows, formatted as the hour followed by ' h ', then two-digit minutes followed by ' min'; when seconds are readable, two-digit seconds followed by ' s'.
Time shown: 2 h 45 min
